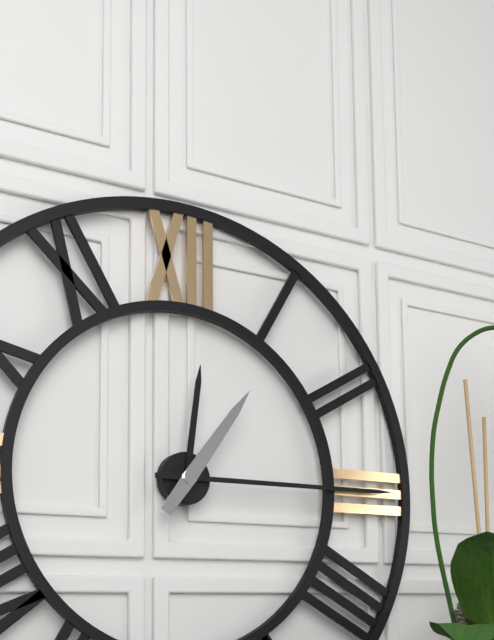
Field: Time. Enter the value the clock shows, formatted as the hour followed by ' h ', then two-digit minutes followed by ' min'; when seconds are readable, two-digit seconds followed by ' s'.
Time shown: 12 h 15 min 06 s
